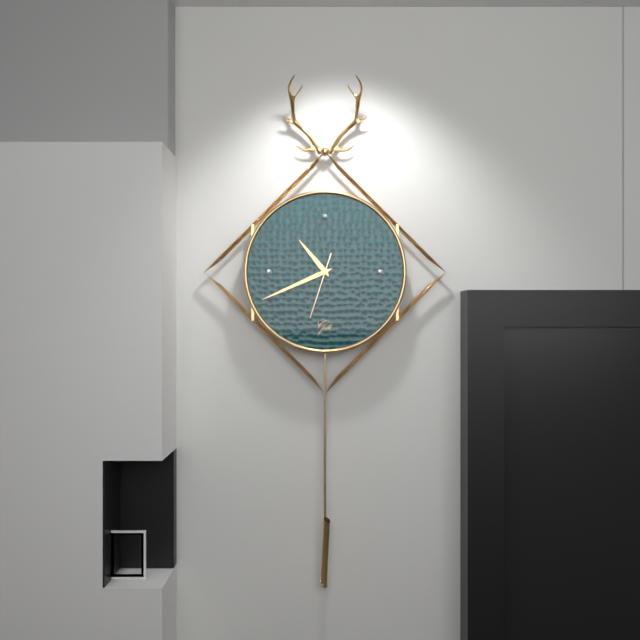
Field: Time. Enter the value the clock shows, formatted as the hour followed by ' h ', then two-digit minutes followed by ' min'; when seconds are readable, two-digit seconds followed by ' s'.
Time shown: 10 h 41 min 33 s
